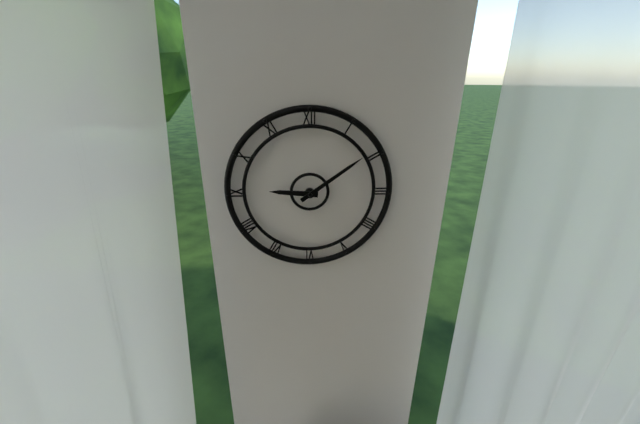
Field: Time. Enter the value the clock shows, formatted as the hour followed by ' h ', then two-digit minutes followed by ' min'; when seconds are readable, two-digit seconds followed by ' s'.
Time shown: 9 h 09 min
